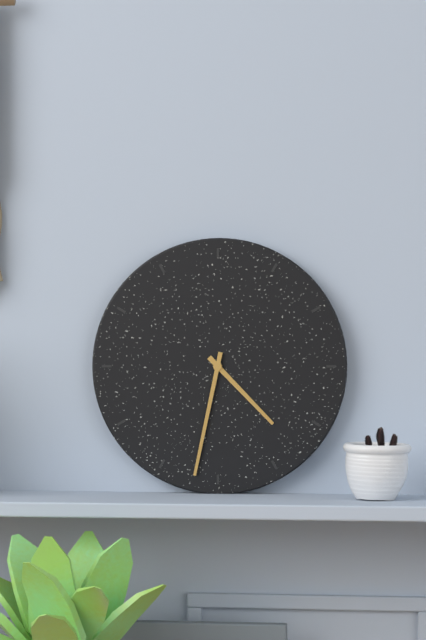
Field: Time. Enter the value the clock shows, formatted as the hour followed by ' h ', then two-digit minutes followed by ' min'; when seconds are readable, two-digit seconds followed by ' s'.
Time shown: 4 h 32 min
